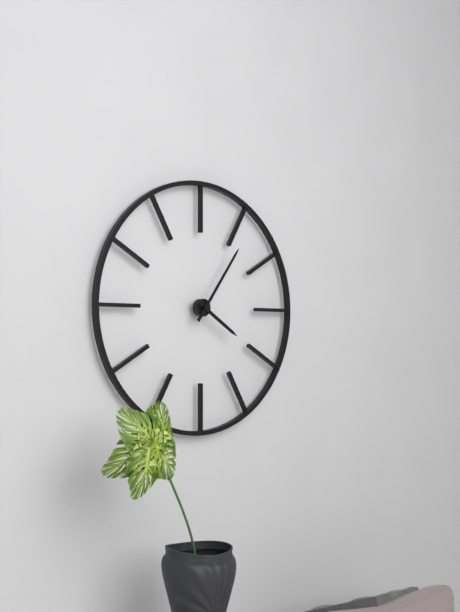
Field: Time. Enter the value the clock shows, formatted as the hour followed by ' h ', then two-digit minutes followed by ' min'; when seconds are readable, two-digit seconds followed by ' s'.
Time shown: 4 h 06 min
